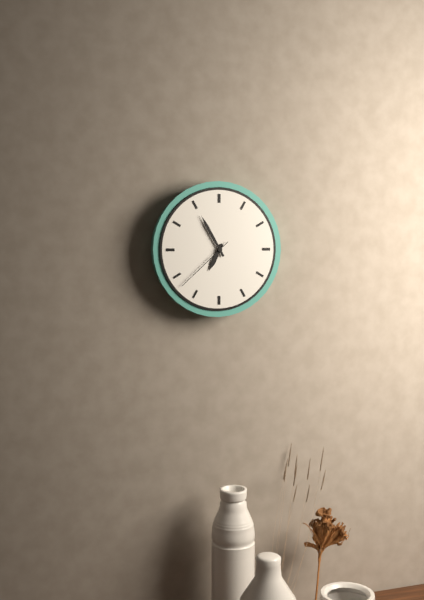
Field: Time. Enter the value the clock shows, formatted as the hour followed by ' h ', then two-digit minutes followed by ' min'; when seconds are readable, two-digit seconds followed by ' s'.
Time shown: 6 h 55 min 38 s
